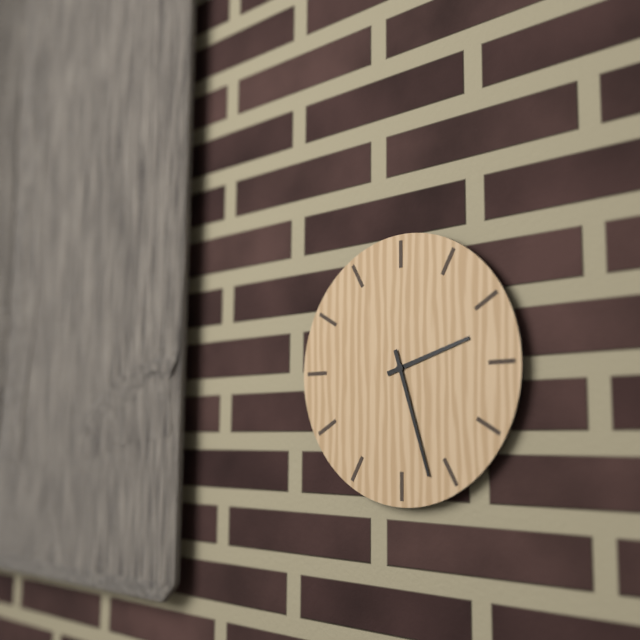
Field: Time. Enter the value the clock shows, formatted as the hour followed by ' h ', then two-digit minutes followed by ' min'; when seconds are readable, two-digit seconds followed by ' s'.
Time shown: 2 h 27 min
